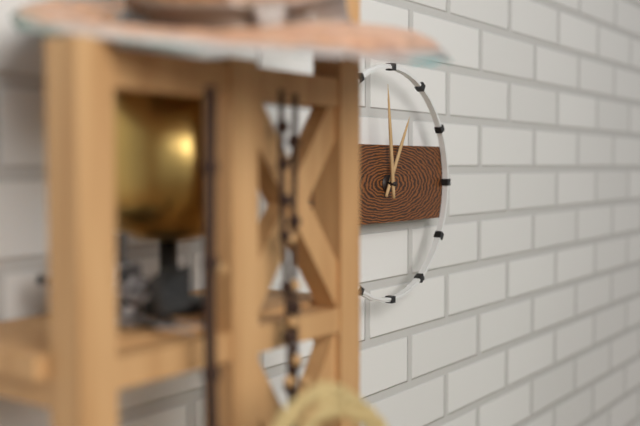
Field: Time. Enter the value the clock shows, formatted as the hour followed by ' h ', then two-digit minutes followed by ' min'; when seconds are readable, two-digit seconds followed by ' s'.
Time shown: 12 h 59 min
